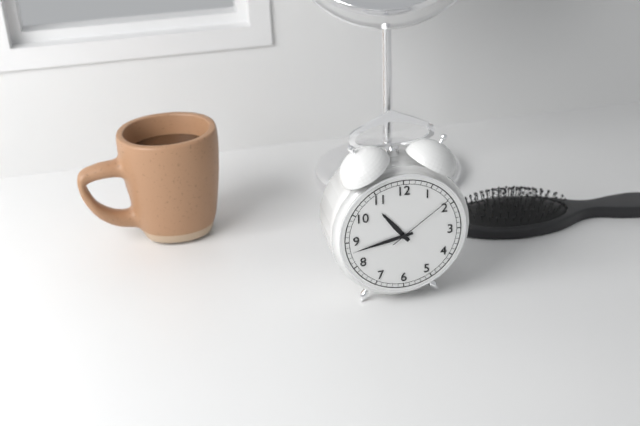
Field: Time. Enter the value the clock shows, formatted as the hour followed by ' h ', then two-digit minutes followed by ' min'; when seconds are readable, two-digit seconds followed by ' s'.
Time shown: 10 h 43 min 09 s
